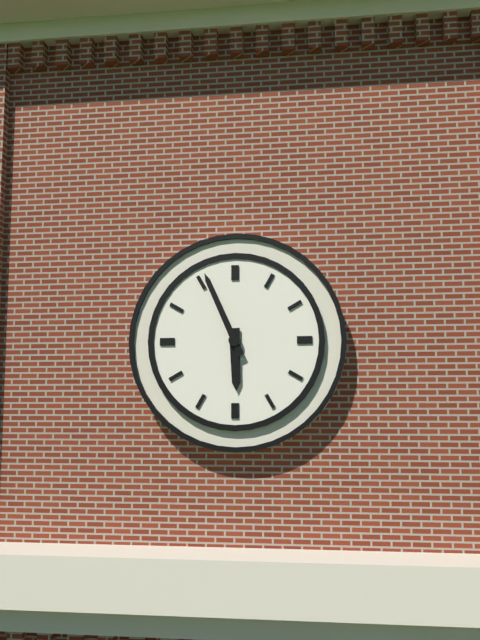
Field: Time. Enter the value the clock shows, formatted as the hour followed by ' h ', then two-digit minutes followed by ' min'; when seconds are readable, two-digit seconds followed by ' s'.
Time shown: 5 h 56 min
